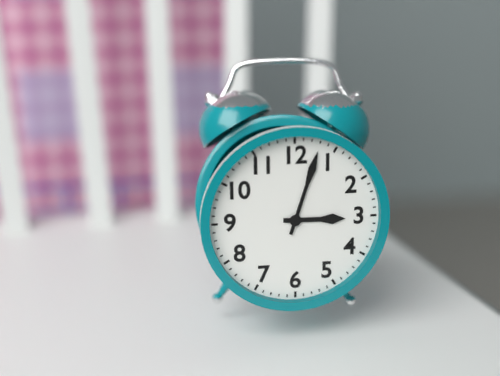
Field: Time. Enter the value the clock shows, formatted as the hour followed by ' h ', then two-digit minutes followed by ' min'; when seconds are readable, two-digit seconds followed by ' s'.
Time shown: 3 h 03 min
